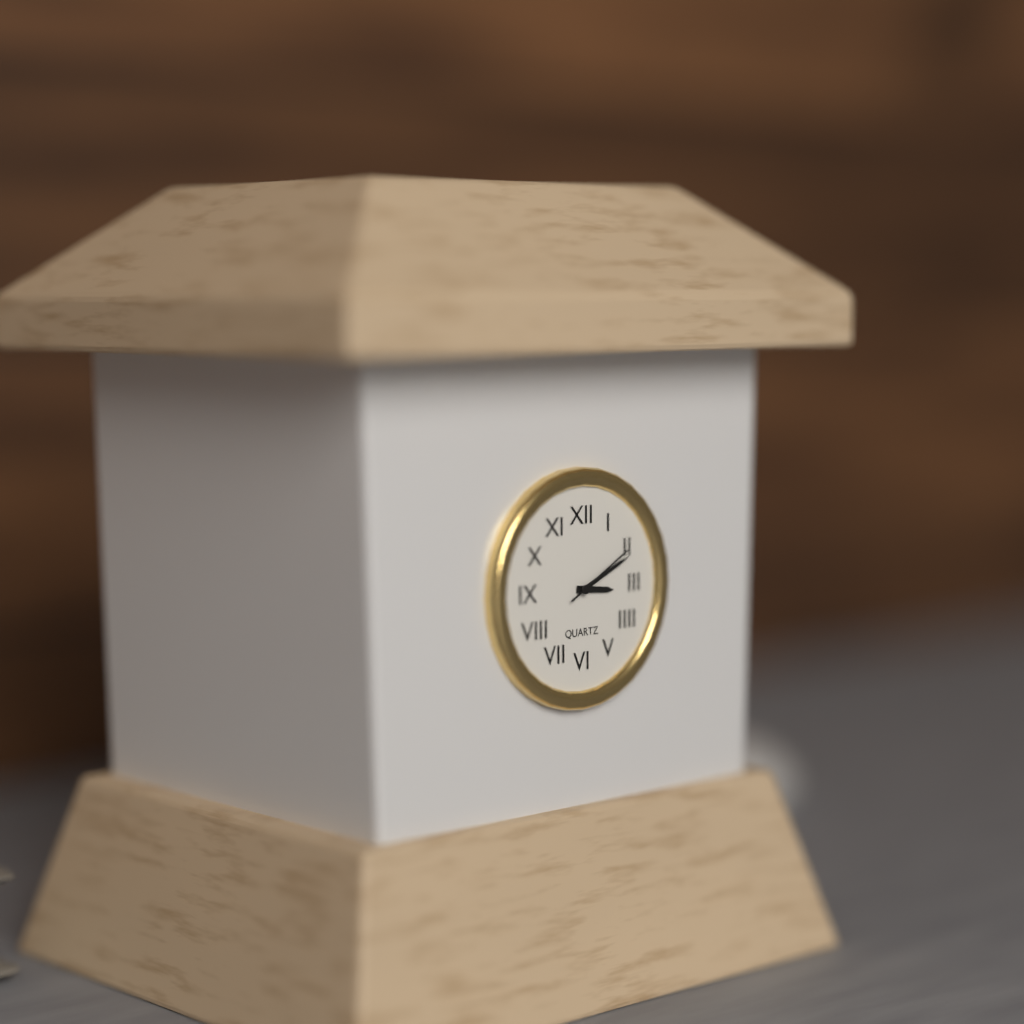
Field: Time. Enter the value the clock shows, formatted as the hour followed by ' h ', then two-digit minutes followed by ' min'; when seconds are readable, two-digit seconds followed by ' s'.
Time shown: 3 h 11 min 10 s
